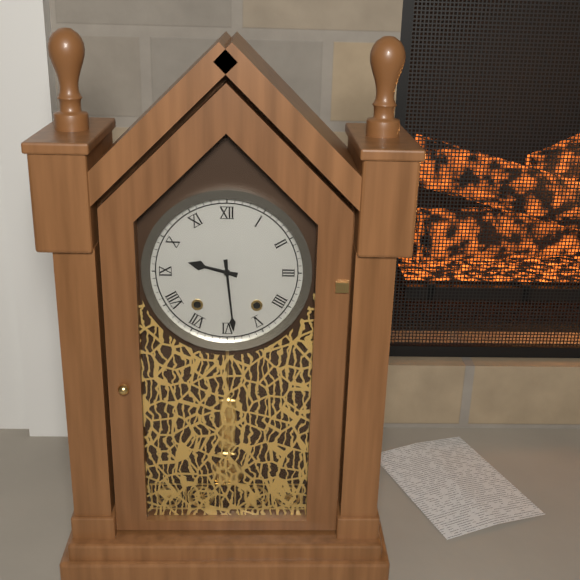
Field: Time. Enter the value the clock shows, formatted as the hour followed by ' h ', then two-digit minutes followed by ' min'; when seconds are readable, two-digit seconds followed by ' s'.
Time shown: 9 h 29 min
